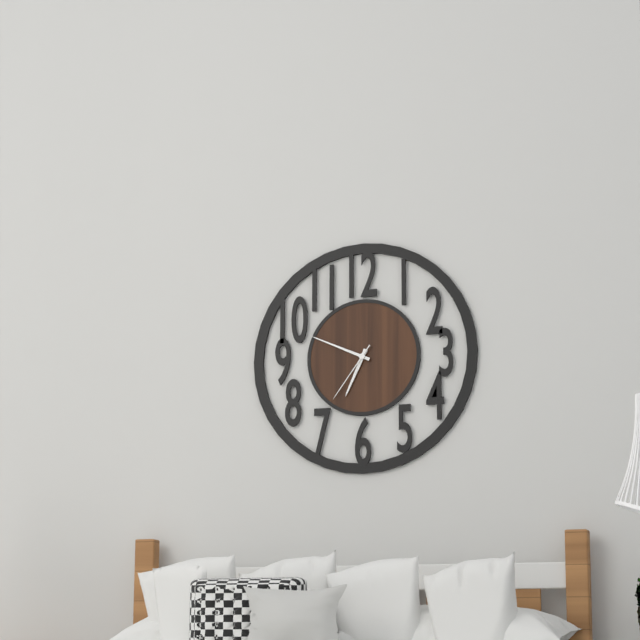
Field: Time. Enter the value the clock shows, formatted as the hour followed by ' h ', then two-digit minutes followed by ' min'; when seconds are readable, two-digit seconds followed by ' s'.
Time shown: 6 h 49 min 36 s
